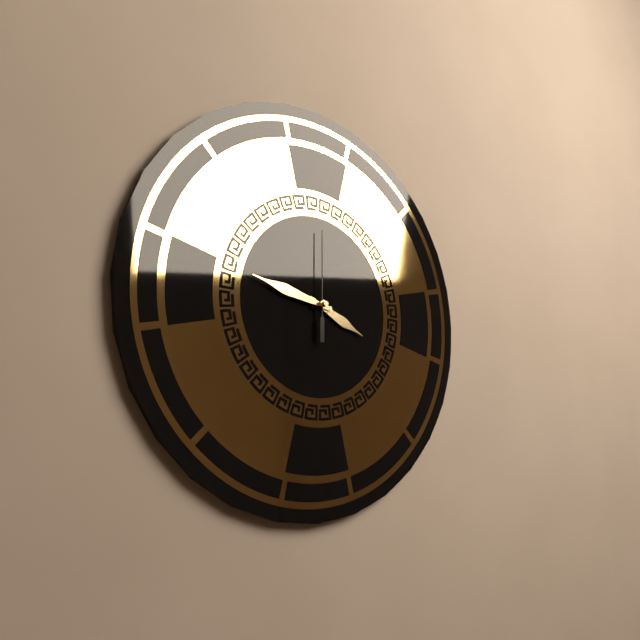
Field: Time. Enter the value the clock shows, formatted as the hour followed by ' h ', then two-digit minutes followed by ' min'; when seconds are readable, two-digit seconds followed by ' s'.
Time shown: 3 h 47 min 00 s
